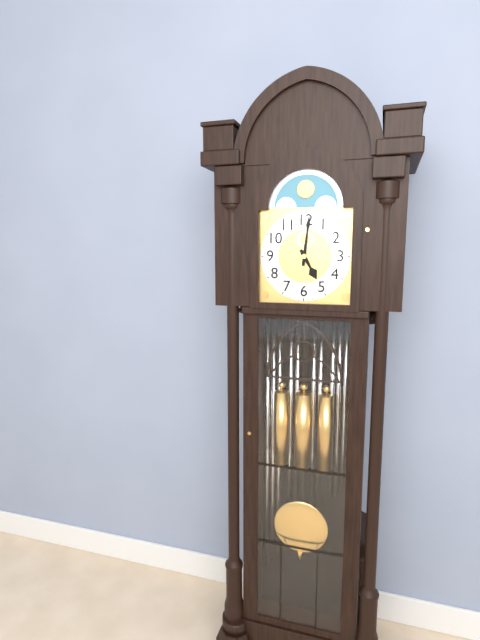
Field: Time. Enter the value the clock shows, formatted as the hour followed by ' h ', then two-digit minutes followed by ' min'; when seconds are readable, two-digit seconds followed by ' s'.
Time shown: 5 h 01 min
